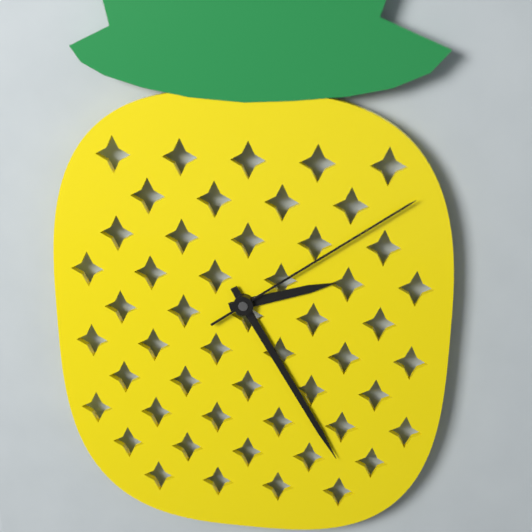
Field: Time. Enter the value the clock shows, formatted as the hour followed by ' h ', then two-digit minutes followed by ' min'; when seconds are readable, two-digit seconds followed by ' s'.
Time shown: 2 h 25 min 09 s
